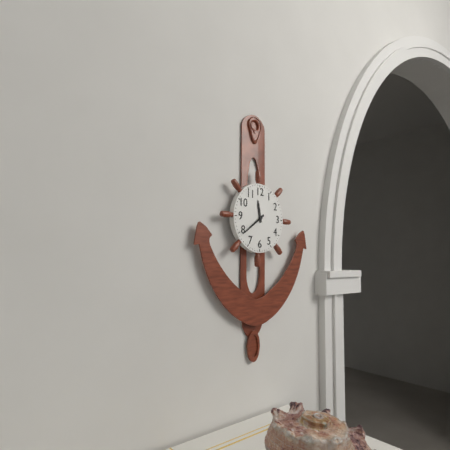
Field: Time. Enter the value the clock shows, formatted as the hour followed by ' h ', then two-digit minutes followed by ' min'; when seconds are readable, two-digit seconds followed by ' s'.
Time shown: 11 h 39 min
